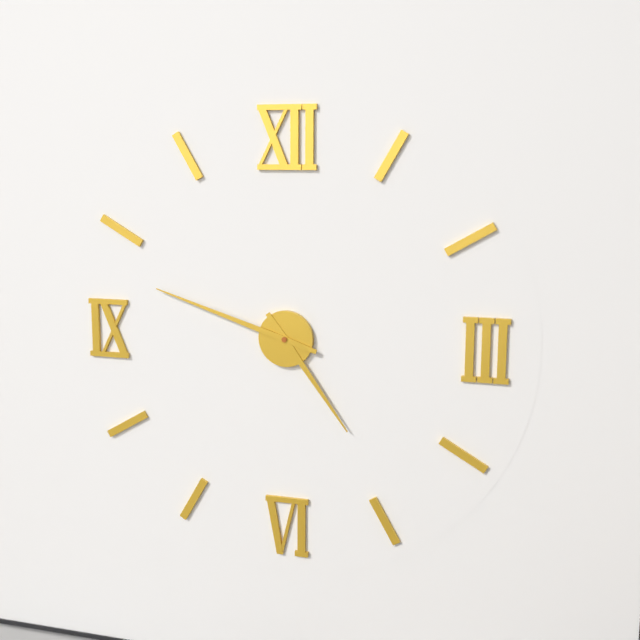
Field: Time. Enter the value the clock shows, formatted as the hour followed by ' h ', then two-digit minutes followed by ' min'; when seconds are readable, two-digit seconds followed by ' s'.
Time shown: 4 h 48 min
